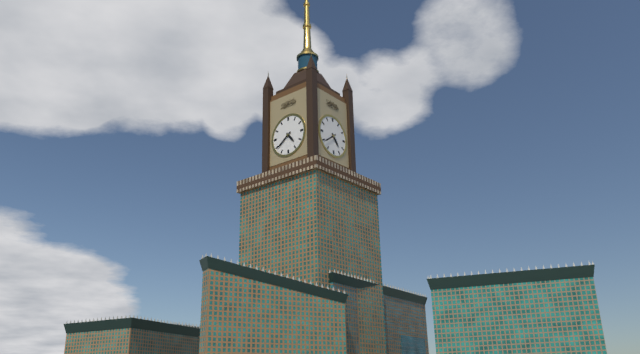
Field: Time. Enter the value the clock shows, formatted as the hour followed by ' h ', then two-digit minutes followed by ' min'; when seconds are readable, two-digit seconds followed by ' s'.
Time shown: 4 h 39 min
